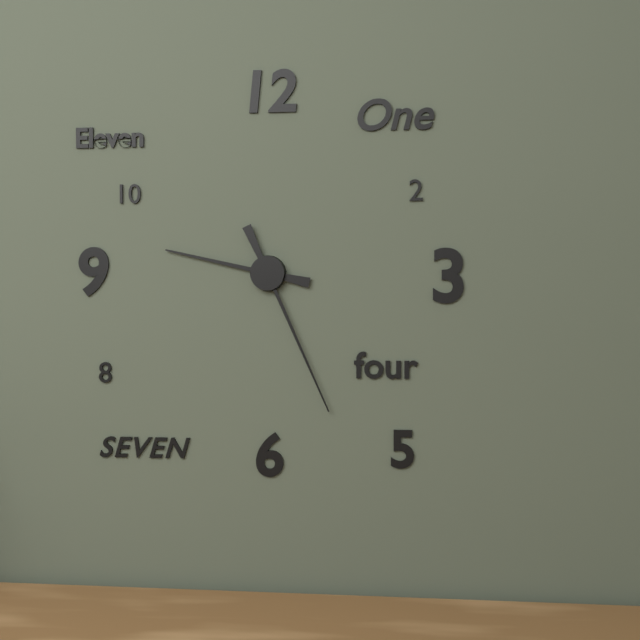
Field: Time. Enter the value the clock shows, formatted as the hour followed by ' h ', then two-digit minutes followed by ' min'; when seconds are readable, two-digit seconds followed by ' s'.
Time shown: 9 h 26 min
